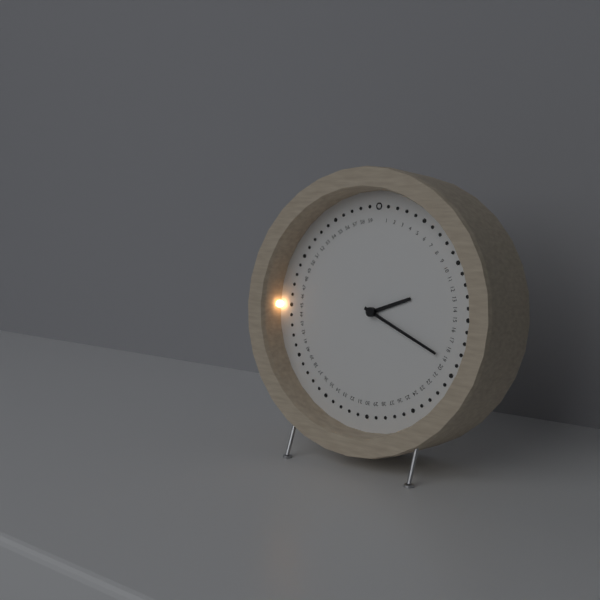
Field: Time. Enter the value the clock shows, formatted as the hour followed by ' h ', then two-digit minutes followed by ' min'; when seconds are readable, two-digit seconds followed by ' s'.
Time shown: 2 h 19 min
